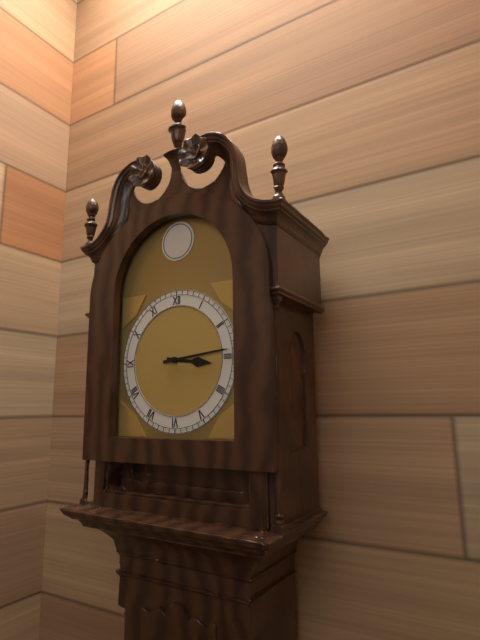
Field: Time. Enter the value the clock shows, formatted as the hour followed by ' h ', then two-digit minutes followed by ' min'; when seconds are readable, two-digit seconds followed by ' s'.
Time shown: 3 h 14 min
